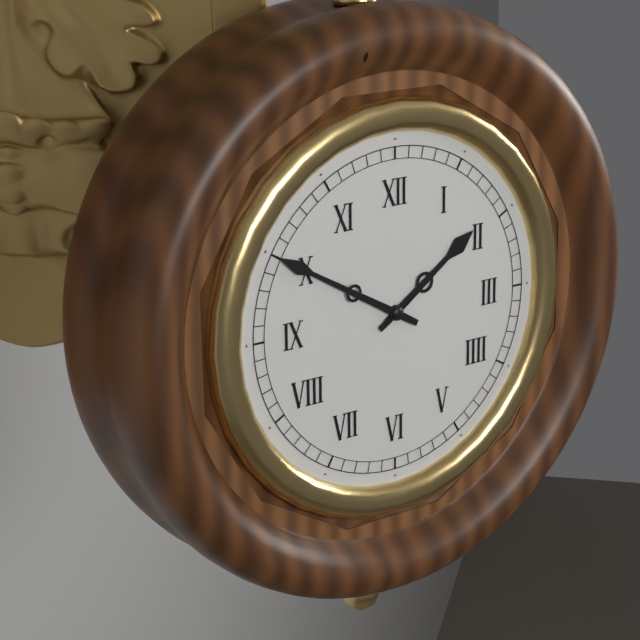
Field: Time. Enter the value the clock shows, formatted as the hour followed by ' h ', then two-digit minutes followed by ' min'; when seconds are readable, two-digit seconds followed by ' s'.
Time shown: 1 h 50 min
